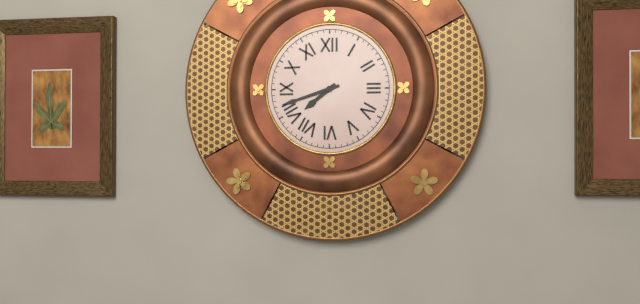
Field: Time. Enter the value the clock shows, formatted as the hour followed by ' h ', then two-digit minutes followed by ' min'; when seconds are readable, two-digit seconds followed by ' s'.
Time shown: 7 h 42 min
